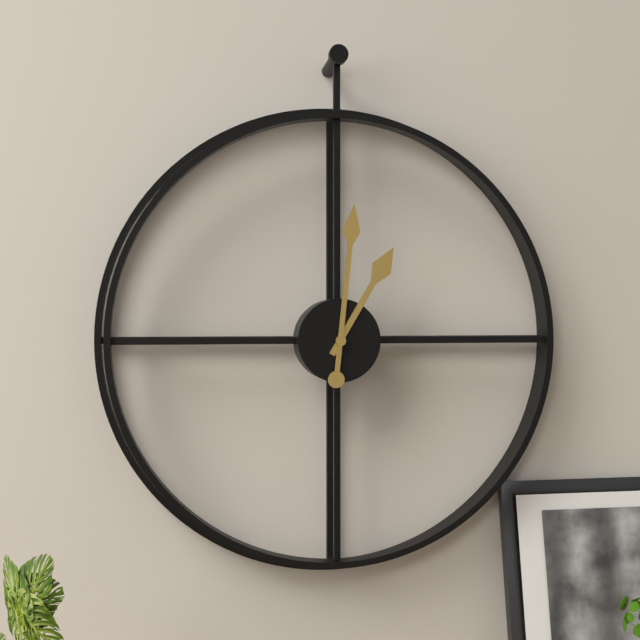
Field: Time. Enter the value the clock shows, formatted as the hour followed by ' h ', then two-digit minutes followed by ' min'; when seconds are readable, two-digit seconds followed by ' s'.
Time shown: 1 h 01 min
